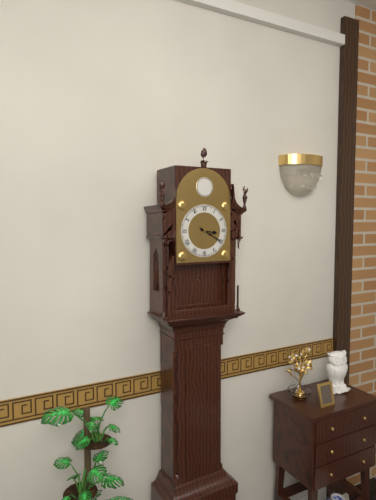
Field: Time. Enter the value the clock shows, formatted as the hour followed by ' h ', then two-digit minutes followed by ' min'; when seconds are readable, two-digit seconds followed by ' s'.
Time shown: 3 h 20 min
